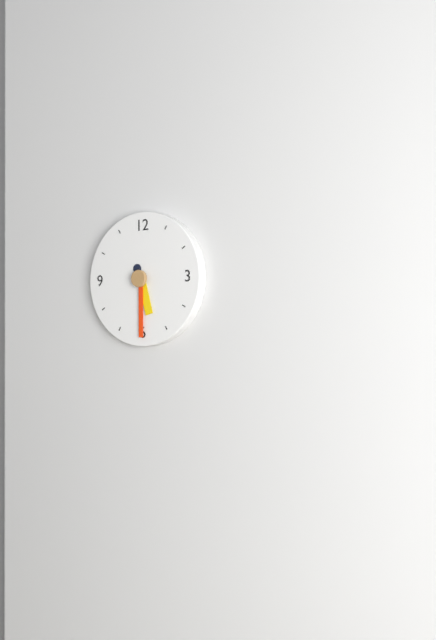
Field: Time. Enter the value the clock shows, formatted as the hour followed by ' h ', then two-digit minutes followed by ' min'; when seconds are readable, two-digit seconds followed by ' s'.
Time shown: 5 h 30 min
